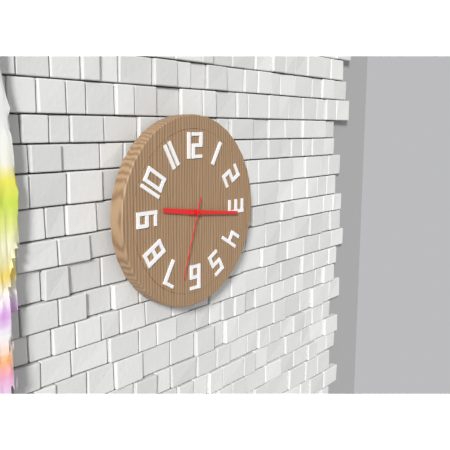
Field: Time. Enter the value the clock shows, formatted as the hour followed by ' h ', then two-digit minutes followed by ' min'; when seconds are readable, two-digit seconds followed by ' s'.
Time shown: 9 h 16 min 33 s
